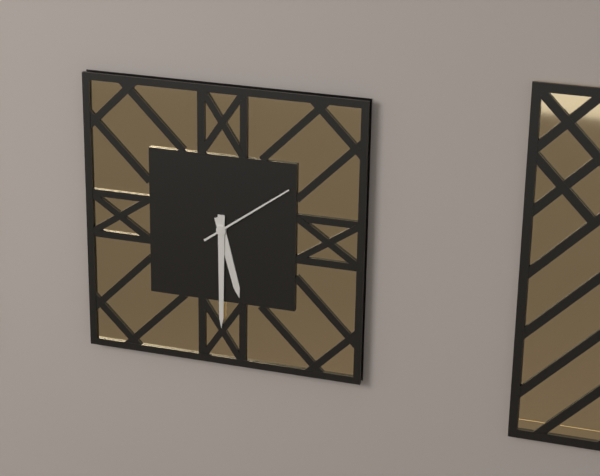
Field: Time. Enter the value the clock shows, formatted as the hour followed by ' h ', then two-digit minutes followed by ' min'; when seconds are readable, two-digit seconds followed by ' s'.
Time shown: 5 h 30 min 09 s
